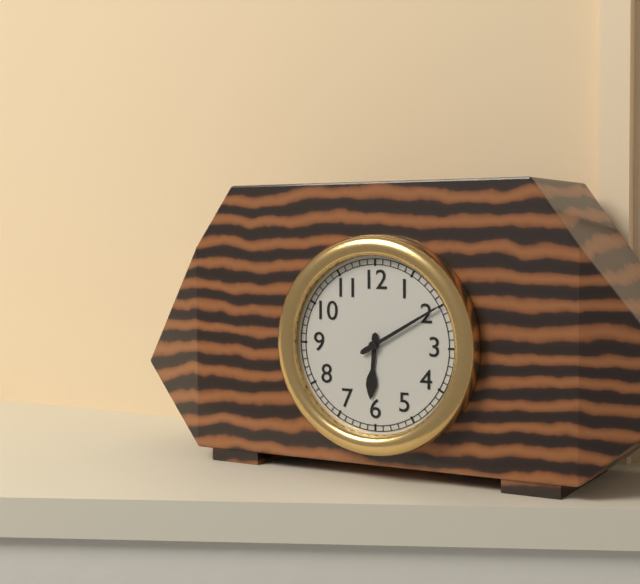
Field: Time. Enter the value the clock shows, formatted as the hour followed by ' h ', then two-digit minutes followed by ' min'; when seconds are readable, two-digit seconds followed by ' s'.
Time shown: 6 h 10 min
